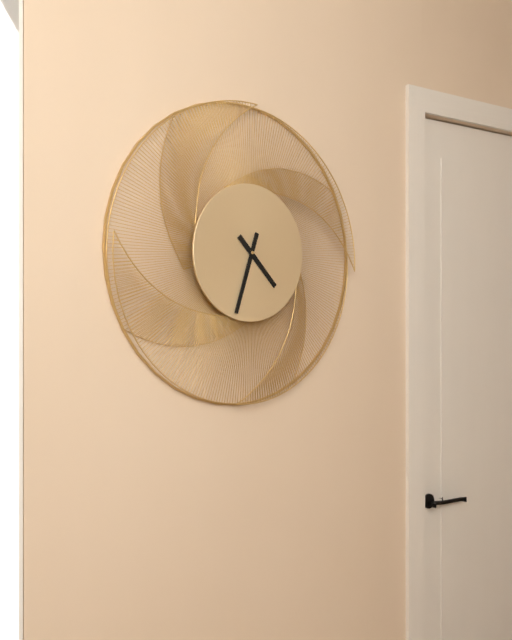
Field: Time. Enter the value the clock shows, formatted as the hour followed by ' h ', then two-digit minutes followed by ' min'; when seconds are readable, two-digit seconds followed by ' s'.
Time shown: 4 h 33 min
